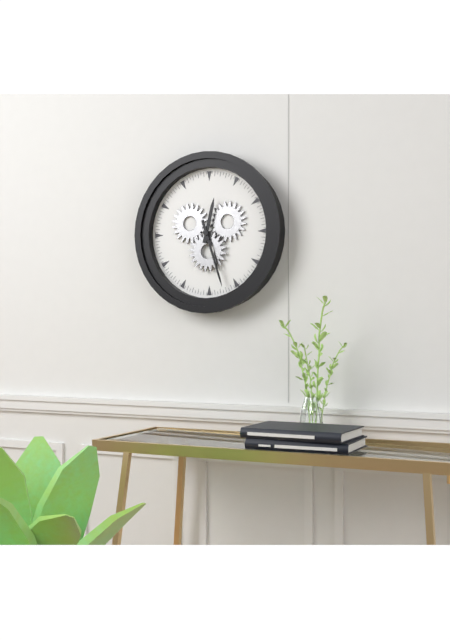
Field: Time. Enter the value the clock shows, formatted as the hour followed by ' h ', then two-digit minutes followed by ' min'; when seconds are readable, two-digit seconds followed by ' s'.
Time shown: 12 h 27 min
